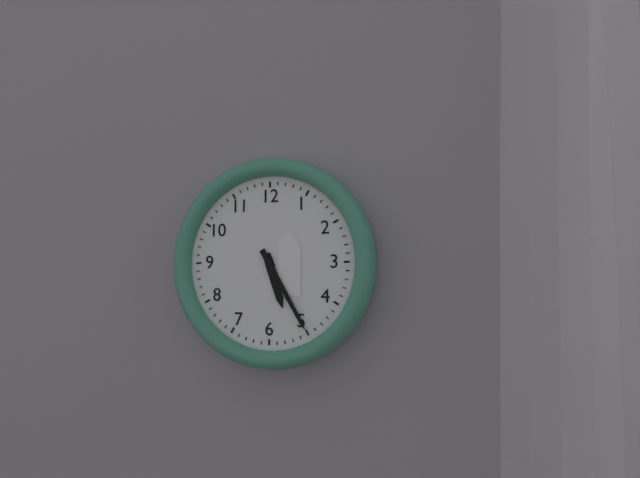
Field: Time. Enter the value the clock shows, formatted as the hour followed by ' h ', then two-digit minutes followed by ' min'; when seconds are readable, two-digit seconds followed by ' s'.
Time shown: 5 h 25 min
